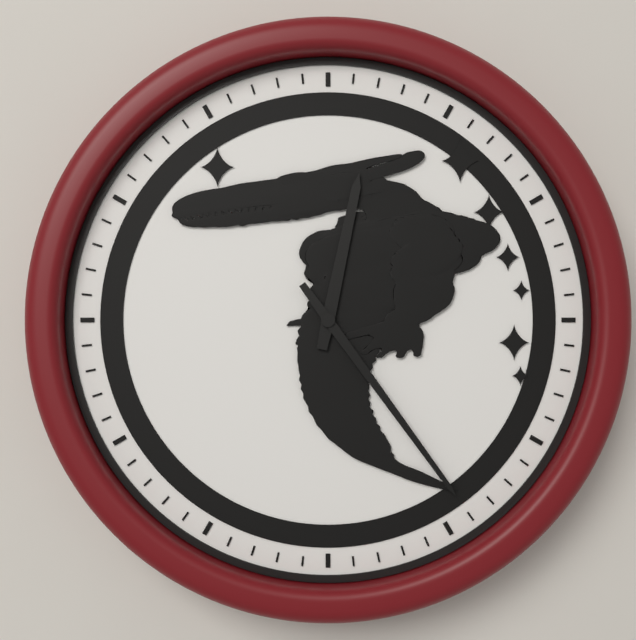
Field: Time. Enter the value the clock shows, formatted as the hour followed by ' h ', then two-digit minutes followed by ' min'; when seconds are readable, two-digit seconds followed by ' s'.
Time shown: 12 h 24 min
